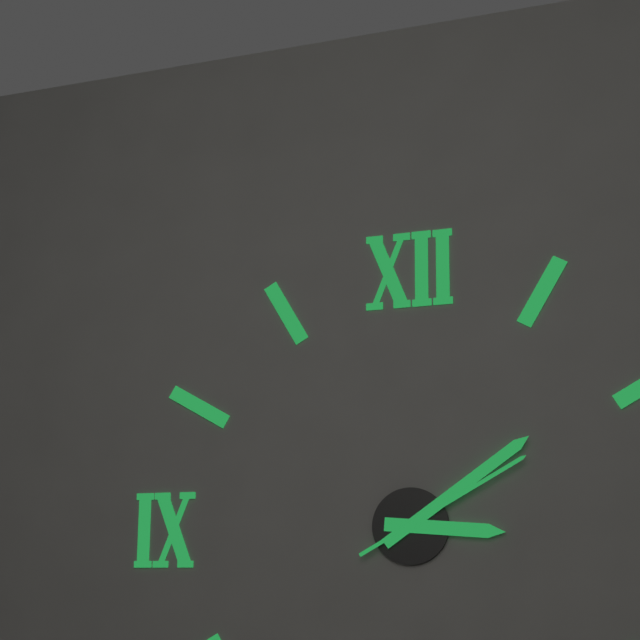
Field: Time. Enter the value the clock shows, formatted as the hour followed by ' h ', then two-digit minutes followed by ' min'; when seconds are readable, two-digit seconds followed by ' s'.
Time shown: 3 h 09 min 10 s
